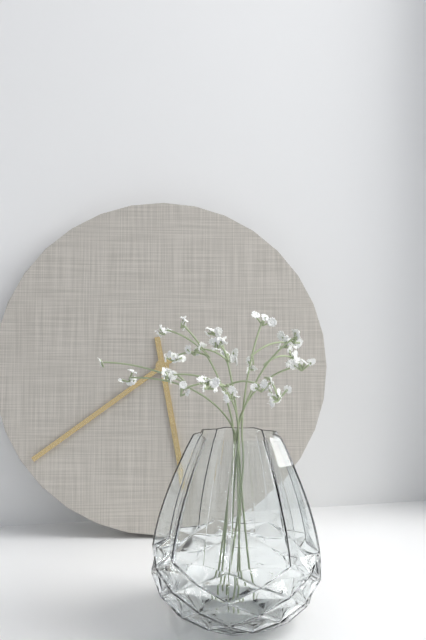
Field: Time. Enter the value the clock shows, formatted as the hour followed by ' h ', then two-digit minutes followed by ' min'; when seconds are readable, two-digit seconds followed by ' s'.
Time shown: 5 h 39 min
